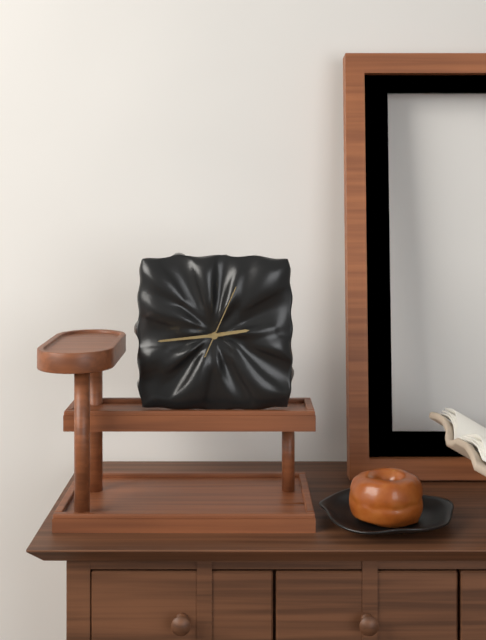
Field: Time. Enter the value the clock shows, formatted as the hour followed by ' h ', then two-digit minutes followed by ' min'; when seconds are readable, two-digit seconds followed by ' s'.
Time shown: 2 h 44 min 04 s
